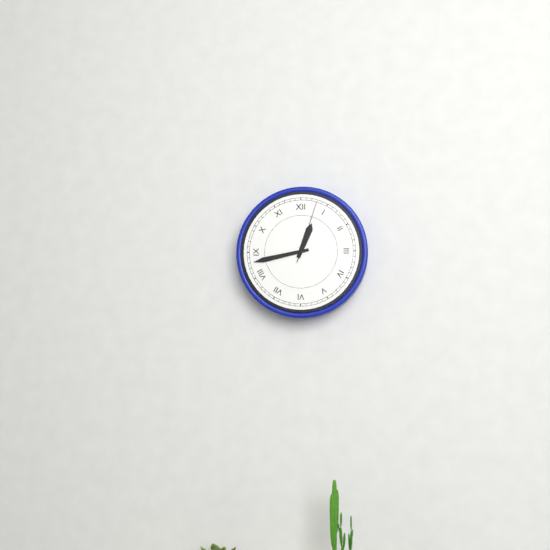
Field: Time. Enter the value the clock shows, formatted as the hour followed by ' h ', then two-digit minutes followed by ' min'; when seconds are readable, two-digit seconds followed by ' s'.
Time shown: 12 h 43 min 03 s
